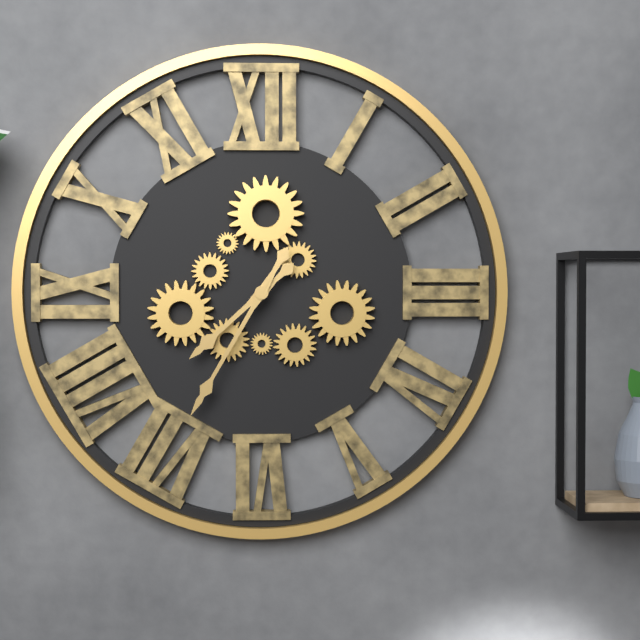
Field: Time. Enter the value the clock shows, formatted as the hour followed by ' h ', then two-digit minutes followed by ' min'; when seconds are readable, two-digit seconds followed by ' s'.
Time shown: 7 h 35 min
